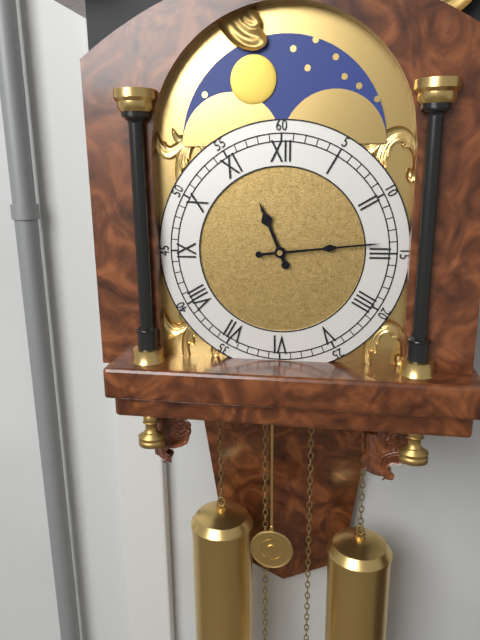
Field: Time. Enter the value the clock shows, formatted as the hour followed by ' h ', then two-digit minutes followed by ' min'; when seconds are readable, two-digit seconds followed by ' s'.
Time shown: 11 h 14 min
